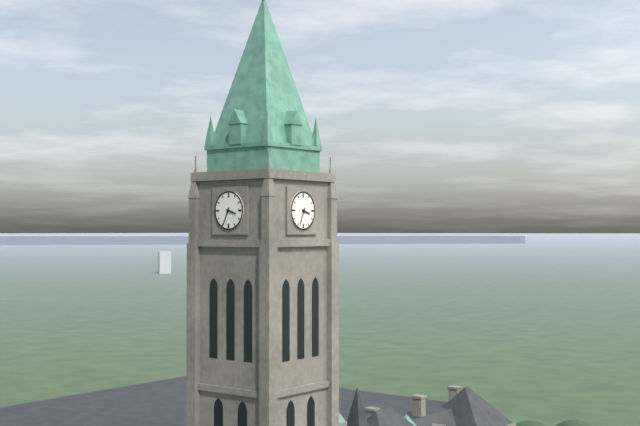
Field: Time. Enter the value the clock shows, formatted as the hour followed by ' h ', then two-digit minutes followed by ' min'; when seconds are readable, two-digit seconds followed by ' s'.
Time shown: 3 h 34 min
